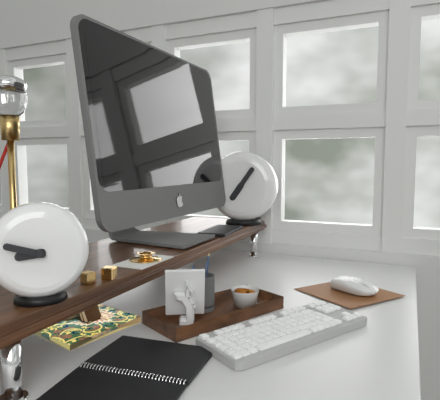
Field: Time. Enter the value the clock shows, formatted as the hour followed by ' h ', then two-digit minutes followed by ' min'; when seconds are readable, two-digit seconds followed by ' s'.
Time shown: 8 h 48 min
